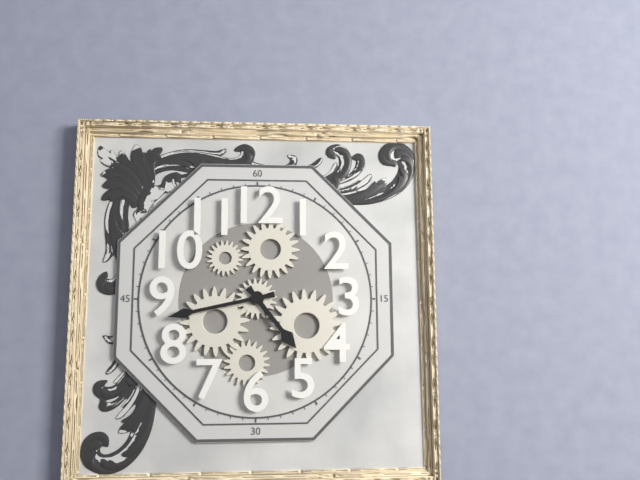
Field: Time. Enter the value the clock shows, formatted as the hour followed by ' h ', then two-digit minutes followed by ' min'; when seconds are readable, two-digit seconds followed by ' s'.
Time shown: 4 h 43 min
